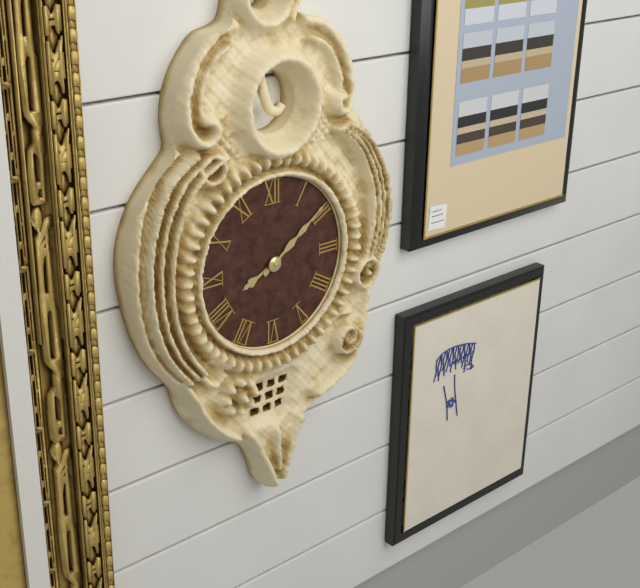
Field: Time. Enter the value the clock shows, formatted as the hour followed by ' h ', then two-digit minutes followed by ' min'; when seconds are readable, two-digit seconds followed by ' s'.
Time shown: 8 h 09 min
